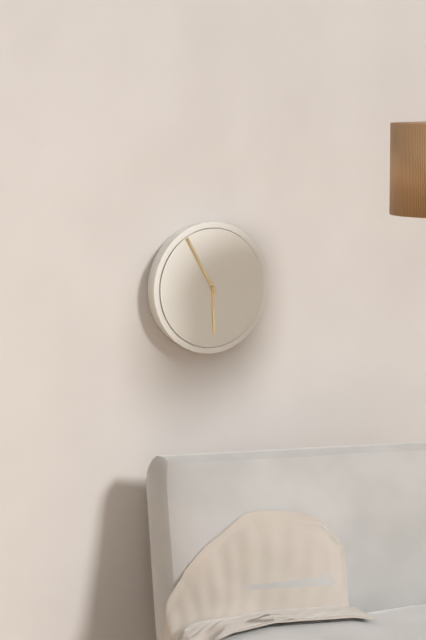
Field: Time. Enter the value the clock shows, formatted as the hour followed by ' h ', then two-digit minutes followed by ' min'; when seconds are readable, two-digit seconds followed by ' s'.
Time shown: 5 h 55 min
